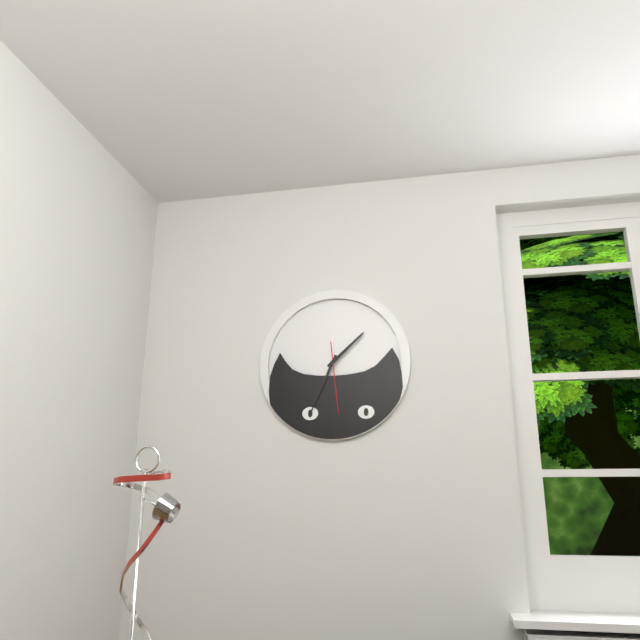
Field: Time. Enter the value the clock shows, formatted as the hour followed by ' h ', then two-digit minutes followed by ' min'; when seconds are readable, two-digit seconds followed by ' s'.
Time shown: 1 h 34 min 29 s
